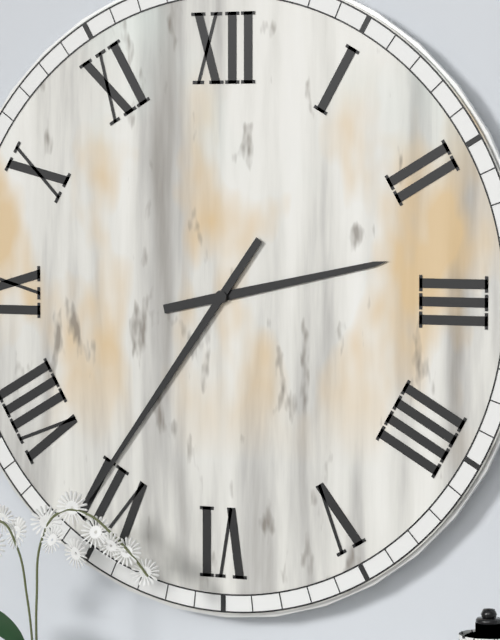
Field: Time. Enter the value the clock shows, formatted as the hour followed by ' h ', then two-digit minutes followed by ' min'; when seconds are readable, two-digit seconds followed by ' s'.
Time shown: 2 h 36 min
